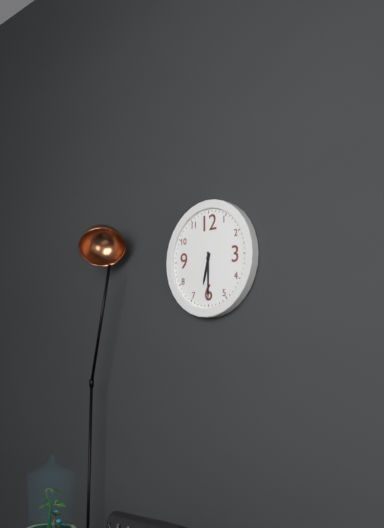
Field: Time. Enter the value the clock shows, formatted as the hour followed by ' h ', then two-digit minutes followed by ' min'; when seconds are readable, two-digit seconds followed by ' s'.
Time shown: 6 h 30 min
